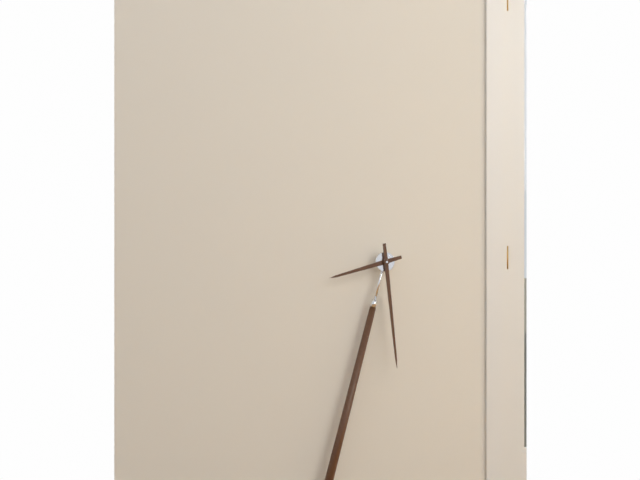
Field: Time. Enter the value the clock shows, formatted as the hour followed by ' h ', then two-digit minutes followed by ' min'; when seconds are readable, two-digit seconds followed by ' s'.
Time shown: 8 h 29 min
